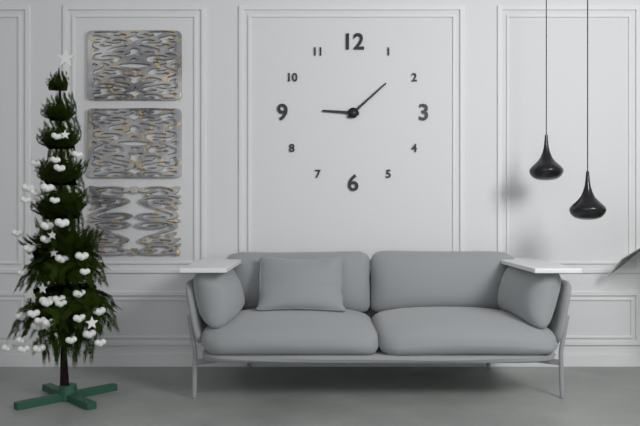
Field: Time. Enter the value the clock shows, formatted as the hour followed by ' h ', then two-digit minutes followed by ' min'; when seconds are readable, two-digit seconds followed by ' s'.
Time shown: 9 h 08 min
